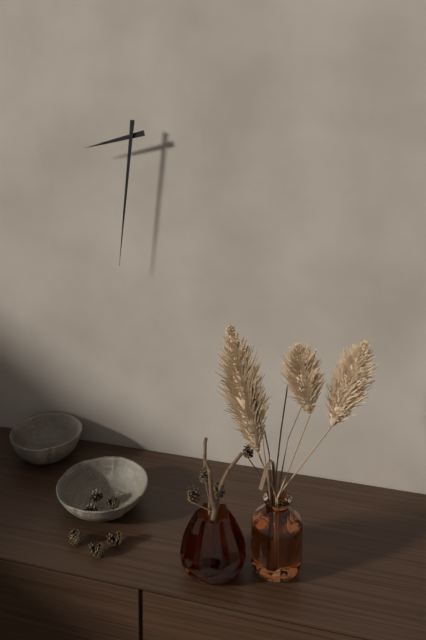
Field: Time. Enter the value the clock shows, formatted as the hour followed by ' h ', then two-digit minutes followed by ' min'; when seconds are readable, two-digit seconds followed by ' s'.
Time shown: 8 h 31 min
